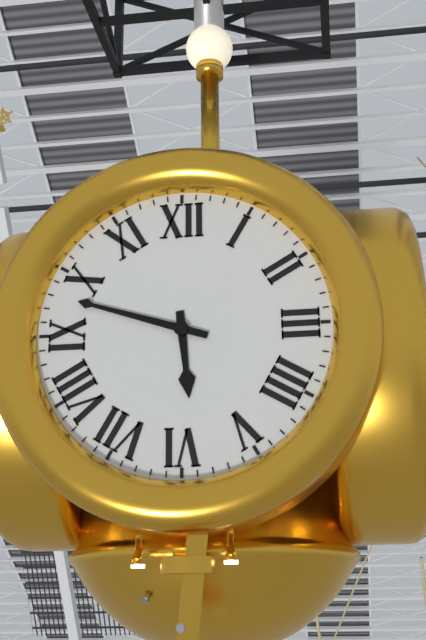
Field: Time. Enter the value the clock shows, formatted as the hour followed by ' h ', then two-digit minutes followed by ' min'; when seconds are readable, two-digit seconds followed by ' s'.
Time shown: 5 h 48 min
